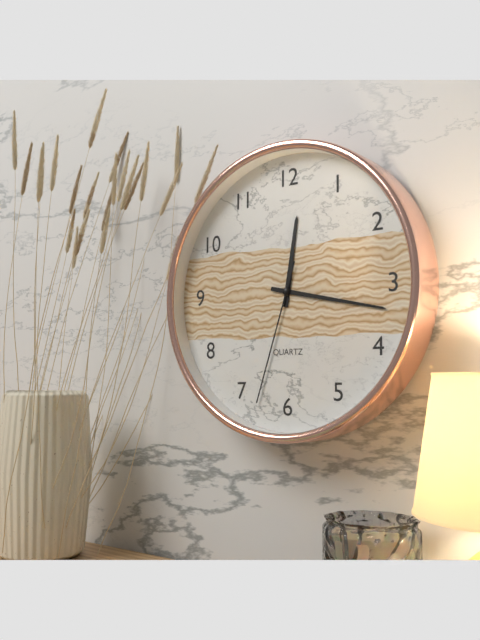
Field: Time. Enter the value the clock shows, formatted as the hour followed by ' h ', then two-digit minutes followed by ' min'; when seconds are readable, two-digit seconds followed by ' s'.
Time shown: 12 h 17 min 33 s
